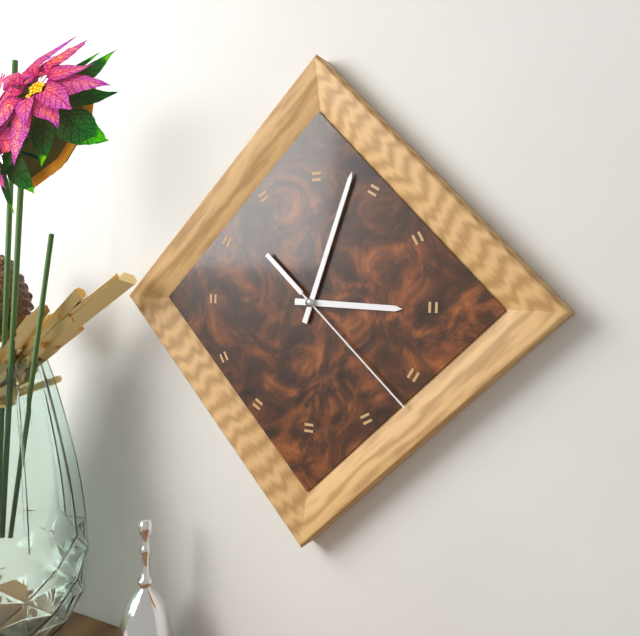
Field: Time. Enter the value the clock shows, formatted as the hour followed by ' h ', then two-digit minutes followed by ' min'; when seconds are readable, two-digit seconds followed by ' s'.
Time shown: 3 h 03 min 22 s
